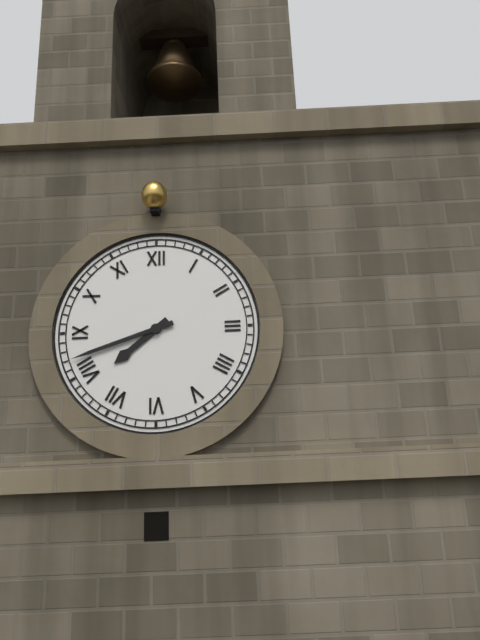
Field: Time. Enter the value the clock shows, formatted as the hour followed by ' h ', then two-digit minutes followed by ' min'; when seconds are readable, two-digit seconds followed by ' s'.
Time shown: 7 h 42 min
